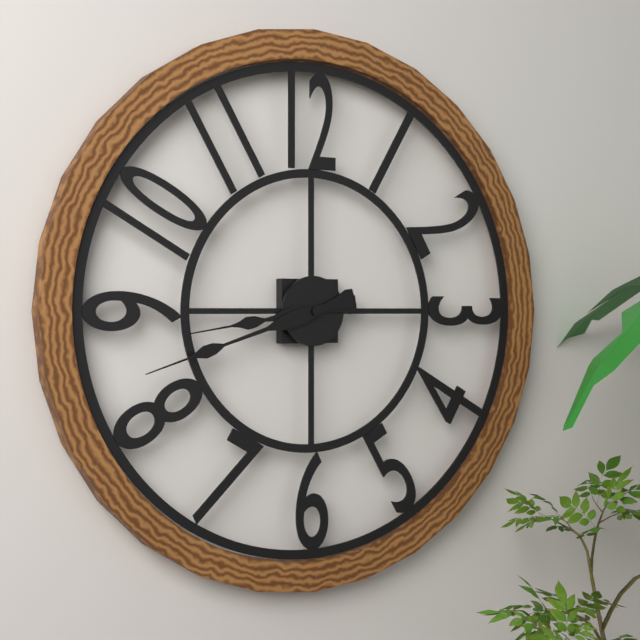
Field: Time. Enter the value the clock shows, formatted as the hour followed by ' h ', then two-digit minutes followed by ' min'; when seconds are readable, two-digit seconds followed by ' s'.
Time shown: 8 h 42 min
